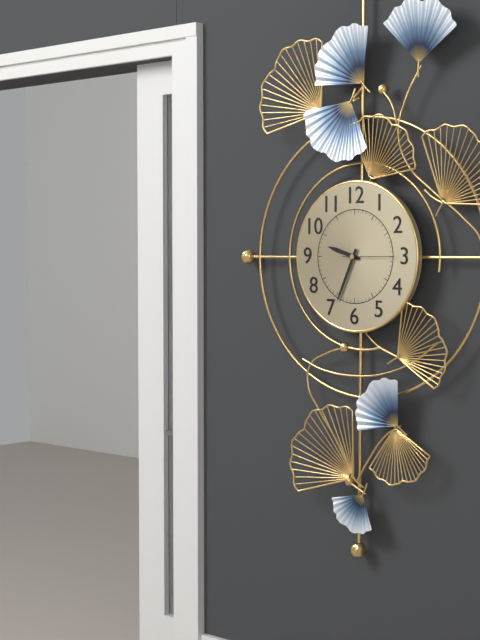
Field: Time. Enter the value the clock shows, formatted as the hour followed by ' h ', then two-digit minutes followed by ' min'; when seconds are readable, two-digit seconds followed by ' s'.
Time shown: 9 h 34 min 15 s
